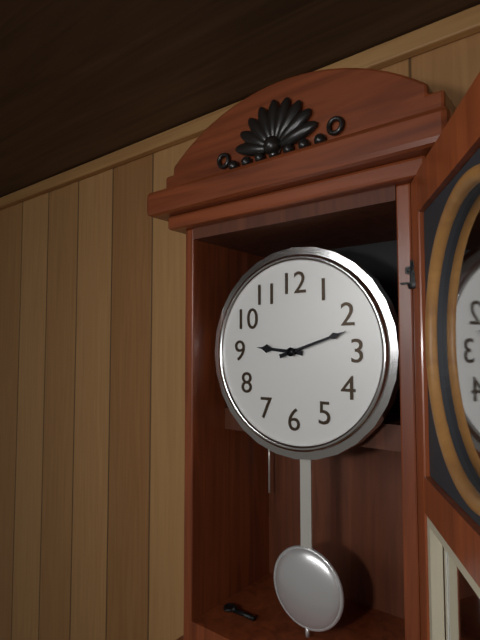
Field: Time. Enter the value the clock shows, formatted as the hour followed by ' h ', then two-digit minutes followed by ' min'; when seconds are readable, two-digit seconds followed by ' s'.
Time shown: 9 h 12 min
